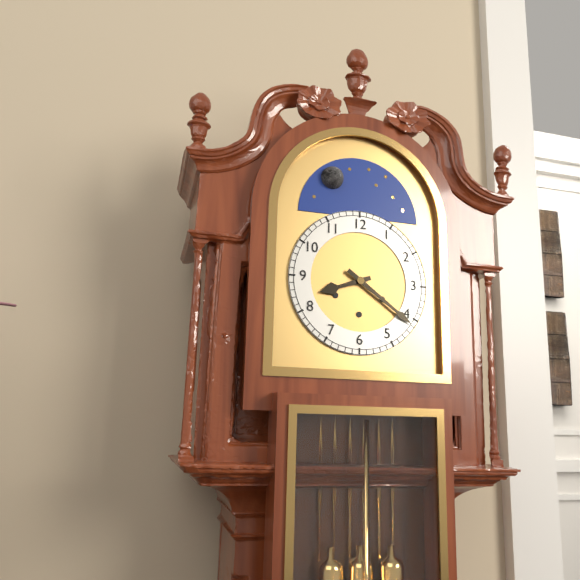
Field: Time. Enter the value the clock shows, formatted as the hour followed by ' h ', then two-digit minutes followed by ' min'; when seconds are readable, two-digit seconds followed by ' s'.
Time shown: 8 h 21 min
